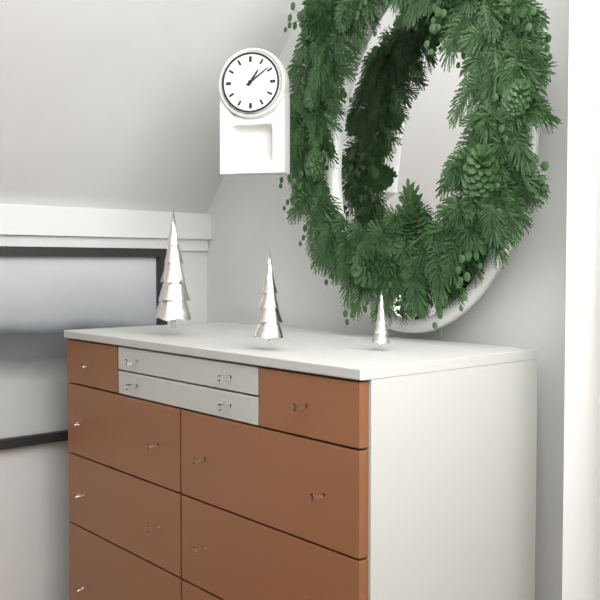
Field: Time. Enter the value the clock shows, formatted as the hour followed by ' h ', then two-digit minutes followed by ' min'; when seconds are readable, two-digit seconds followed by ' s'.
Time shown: 1 h 09 min
